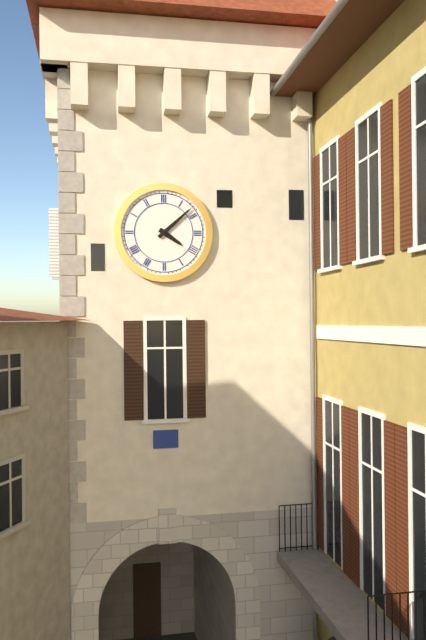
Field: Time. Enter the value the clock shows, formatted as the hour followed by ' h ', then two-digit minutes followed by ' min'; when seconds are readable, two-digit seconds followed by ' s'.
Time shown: 4 h 08 min
